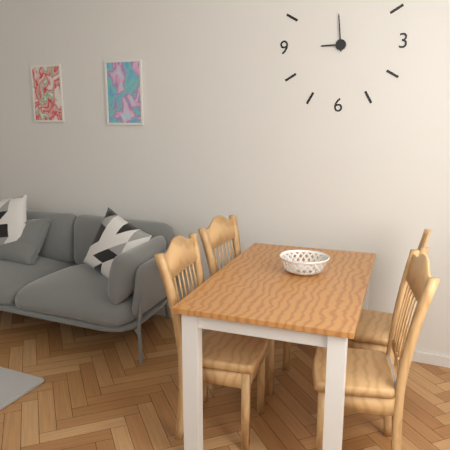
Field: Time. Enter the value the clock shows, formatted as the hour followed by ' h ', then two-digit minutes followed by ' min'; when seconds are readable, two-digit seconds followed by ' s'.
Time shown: 8 h 59 min
